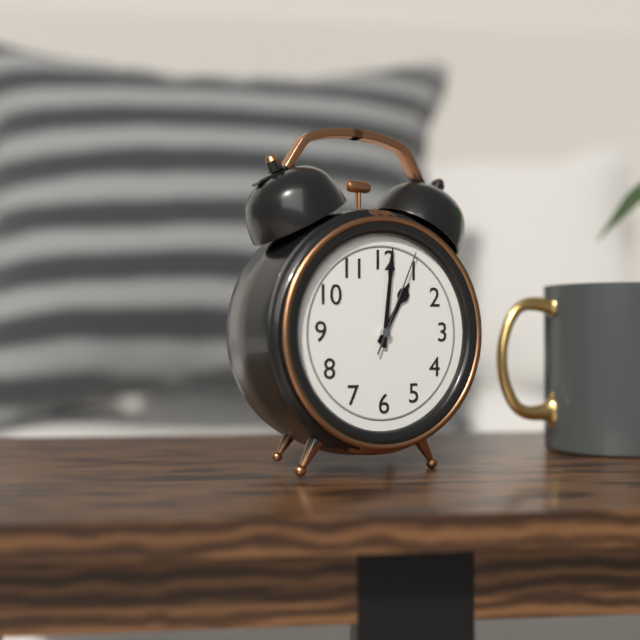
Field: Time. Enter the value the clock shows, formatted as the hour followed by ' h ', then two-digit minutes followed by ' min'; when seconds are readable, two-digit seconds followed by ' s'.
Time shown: 1 h 01 min 04 s
